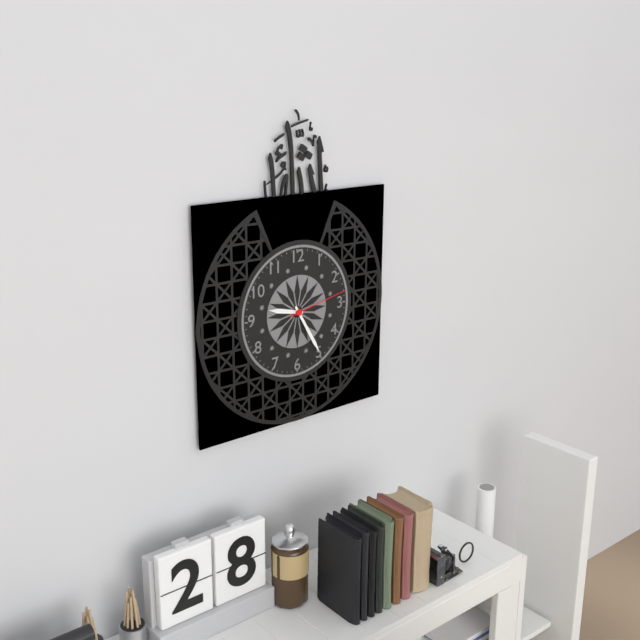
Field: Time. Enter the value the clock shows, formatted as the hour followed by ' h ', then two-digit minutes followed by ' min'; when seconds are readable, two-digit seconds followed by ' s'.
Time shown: 9 h 25 min 13 s
